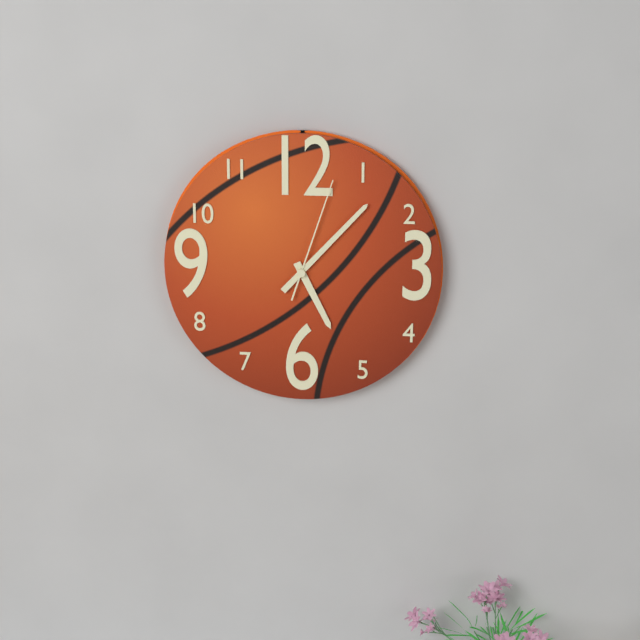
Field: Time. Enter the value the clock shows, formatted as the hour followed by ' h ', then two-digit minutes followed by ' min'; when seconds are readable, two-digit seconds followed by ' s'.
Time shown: 5 h 07 min 03 s
